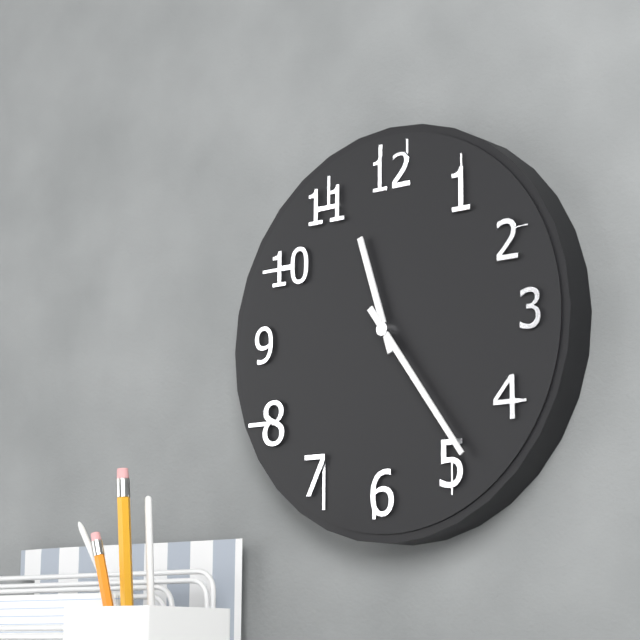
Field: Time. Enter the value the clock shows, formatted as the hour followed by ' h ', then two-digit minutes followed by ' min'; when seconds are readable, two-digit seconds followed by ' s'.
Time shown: 11 h 24 min
